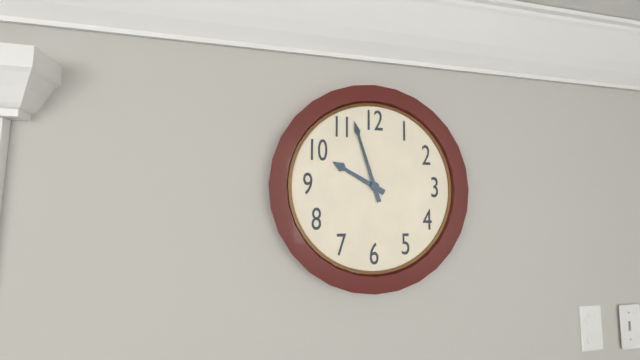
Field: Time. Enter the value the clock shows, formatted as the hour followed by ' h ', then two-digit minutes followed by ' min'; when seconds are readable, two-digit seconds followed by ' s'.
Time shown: 9 h 57 min
